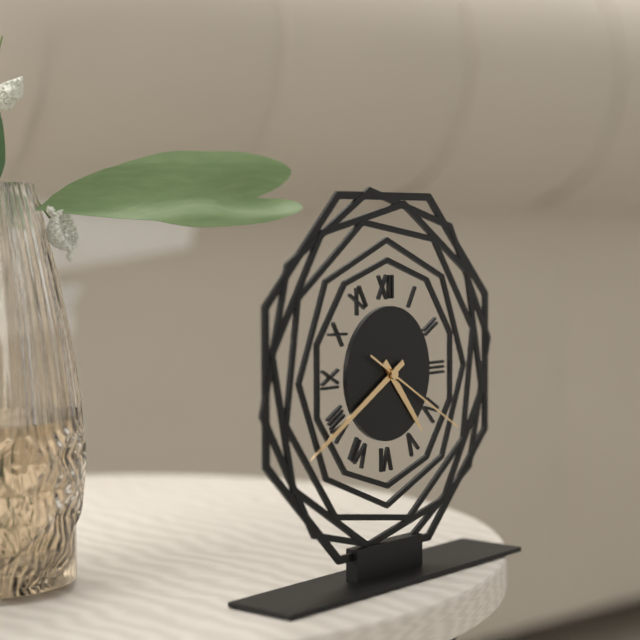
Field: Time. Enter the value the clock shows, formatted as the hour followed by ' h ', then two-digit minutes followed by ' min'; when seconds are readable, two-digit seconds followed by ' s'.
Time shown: 4 h 40 min 20 s
